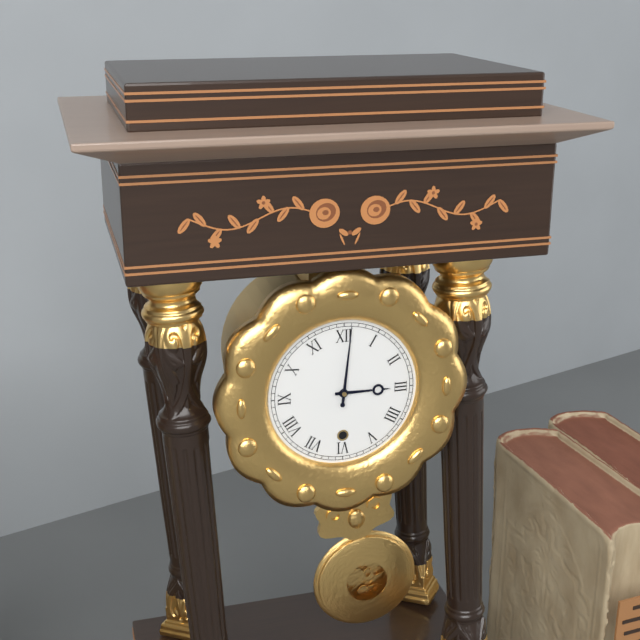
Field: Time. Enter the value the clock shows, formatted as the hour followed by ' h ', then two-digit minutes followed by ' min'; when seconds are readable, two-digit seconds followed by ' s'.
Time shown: 3 h 01 min
